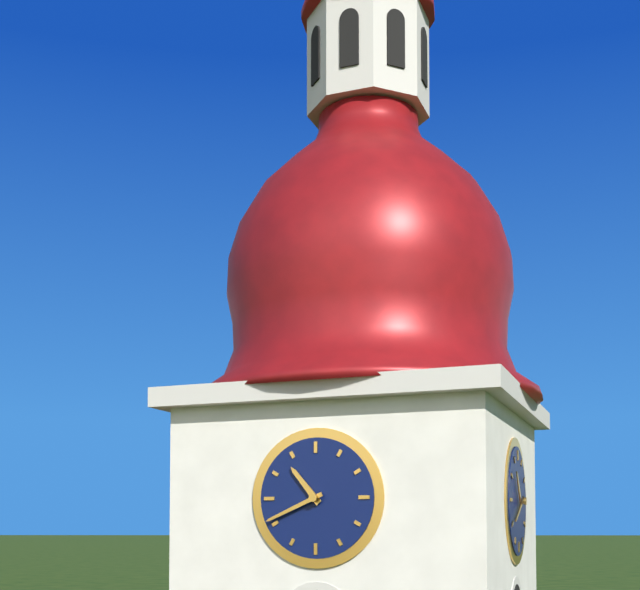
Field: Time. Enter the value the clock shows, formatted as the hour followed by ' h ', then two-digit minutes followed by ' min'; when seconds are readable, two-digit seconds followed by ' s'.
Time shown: 10 h 41 min
